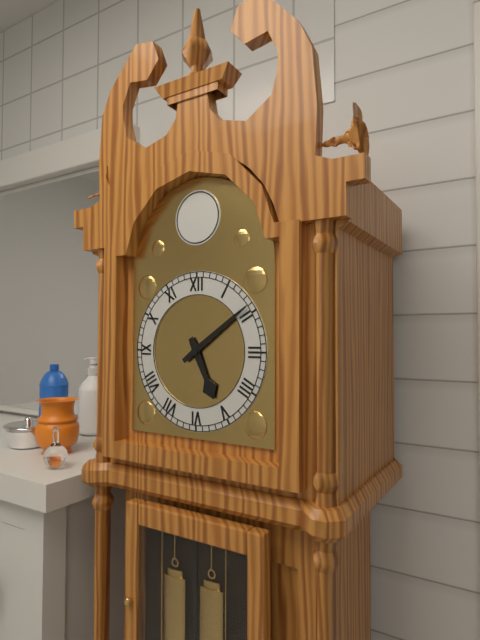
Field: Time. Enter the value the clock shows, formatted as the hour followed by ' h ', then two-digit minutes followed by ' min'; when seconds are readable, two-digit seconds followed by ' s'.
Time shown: 5 h 09 min
